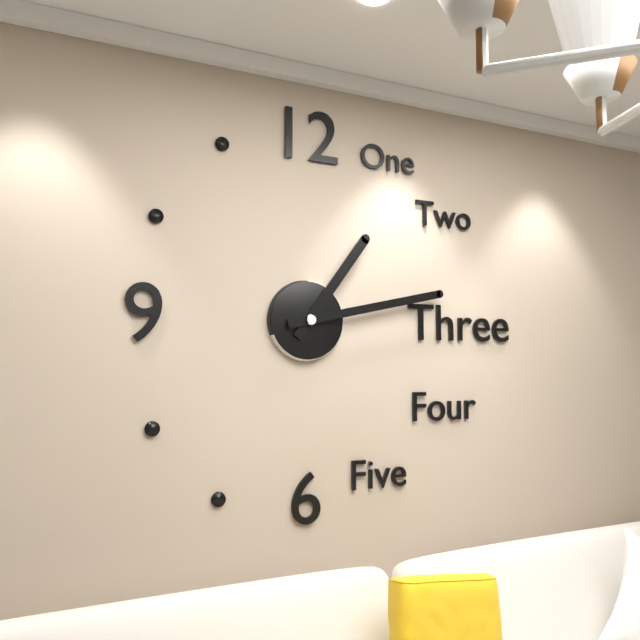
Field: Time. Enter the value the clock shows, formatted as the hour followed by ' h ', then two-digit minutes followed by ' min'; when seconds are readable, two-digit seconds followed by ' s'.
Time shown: 1 h 13 min
